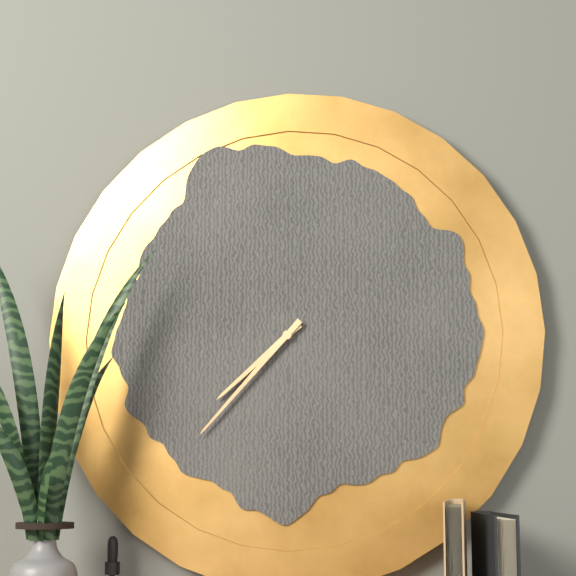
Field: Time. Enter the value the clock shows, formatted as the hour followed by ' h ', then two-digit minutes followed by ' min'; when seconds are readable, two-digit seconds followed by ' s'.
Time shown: 7 h 37 min
